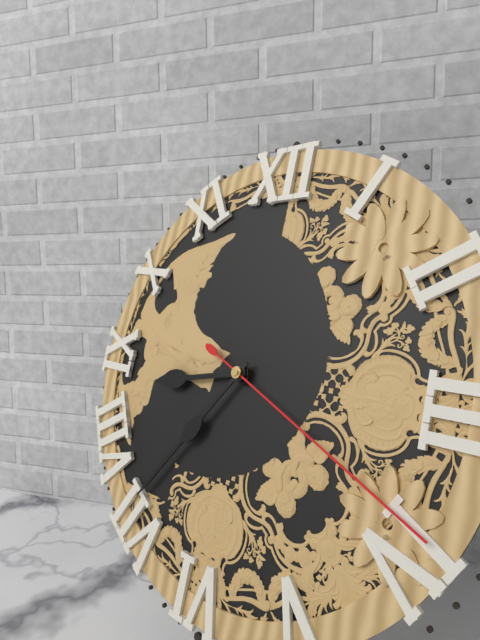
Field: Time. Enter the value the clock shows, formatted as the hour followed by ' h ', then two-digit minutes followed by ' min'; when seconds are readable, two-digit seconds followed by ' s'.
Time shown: 8 h 36 min 19 s
